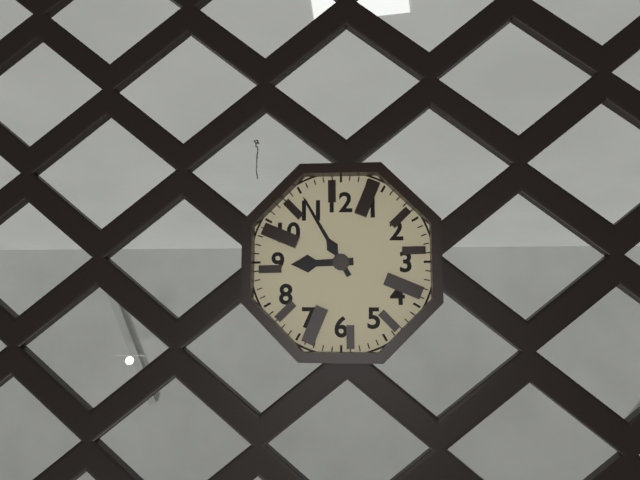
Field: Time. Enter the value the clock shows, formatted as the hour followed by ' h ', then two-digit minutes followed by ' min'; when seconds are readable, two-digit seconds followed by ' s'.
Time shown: 8 h 55 min
